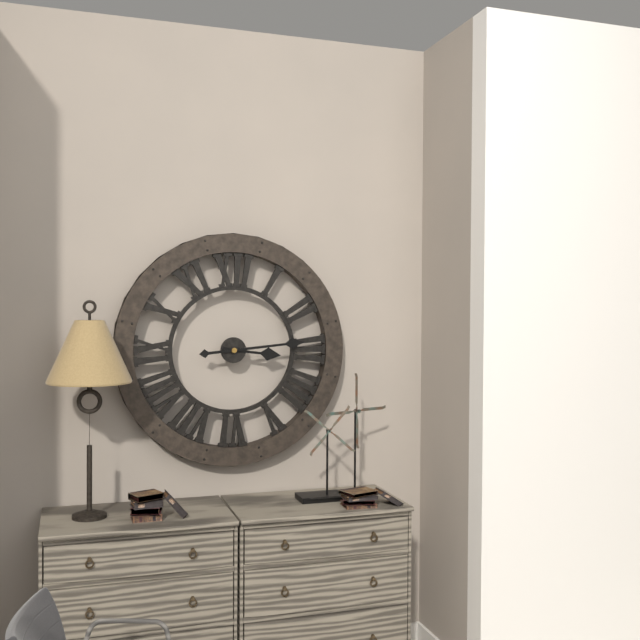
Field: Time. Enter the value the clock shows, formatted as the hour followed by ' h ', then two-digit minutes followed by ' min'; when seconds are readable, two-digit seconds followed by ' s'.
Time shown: 3 h 14 min
